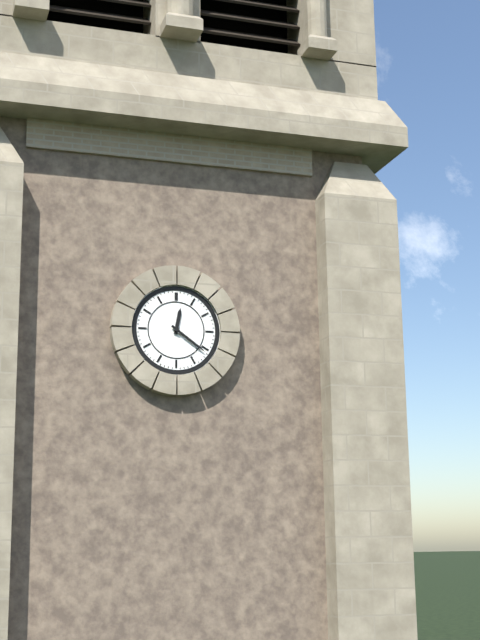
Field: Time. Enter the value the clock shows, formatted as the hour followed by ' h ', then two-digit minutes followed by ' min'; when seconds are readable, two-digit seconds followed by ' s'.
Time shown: 12 h 21 min
